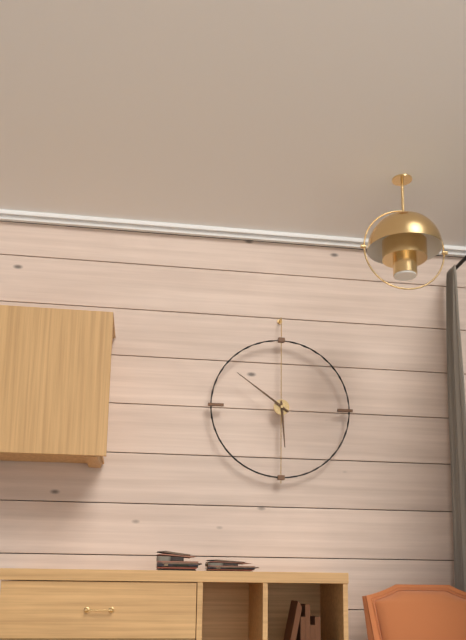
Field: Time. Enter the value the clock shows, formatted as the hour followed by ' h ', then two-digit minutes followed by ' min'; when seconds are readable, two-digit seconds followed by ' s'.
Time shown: 5 h 51 min
